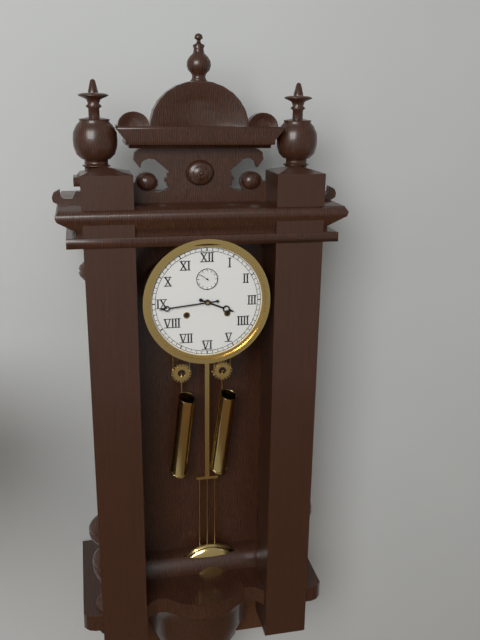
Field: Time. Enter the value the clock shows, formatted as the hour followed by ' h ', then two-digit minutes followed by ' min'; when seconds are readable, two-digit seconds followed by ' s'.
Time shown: 3 h 44 min
